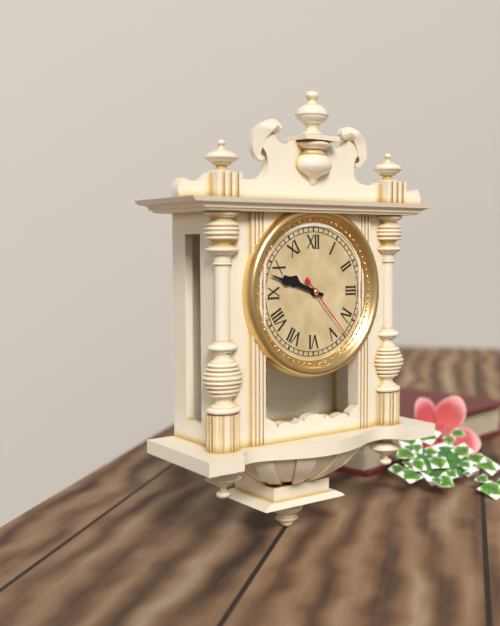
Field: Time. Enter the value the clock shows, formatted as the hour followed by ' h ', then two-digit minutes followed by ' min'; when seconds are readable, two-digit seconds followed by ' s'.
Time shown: 9 h 48 min 23 s
